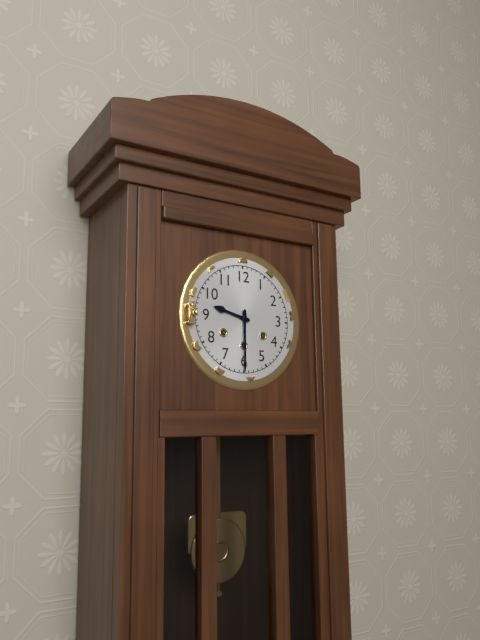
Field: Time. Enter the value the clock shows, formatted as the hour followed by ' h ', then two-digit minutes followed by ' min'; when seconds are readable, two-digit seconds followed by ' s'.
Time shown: 9 h 30 min
